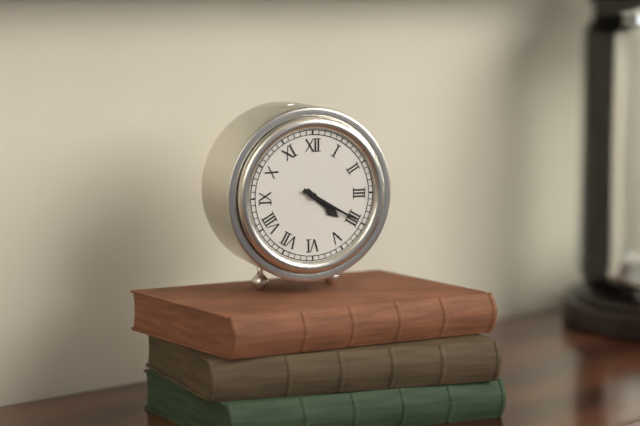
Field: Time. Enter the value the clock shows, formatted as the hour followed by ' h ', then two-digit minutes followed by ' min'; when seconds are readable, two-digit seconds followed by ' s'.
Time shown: 4 h 20 min
